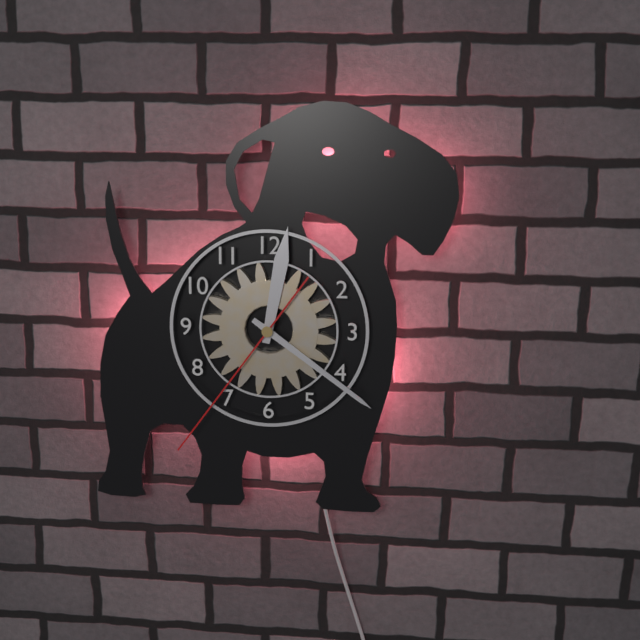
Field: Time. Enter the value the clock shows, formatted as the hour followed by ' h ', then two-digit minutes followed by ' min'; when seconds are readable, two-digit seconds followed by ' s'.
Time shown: 12 h 21 min 36 s
